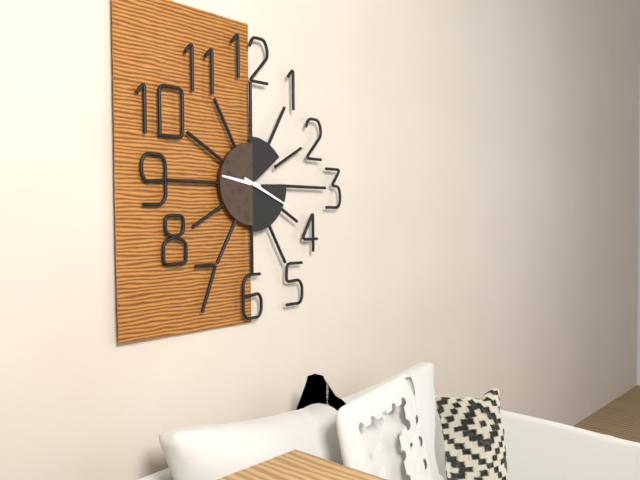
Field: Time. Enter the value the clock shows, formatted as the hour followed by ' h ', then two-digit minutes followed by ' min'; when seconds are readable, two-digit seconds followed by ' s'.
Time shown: 9 h 19 min
